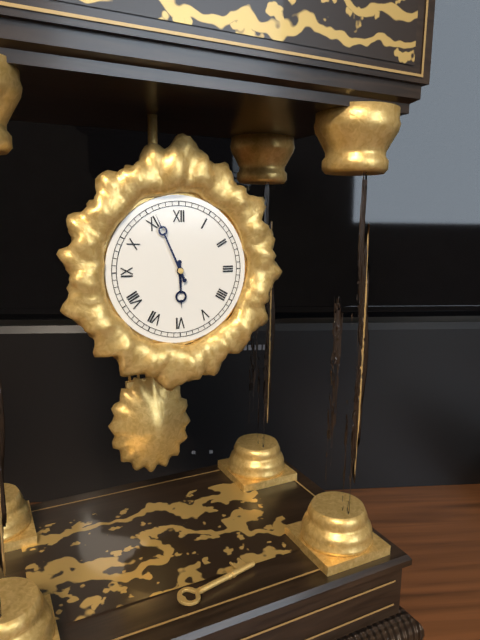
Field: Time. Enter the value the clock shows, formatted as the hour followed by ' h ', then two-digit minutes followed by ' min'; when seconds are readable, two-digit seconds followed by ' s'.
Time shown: 5 h 56 min
